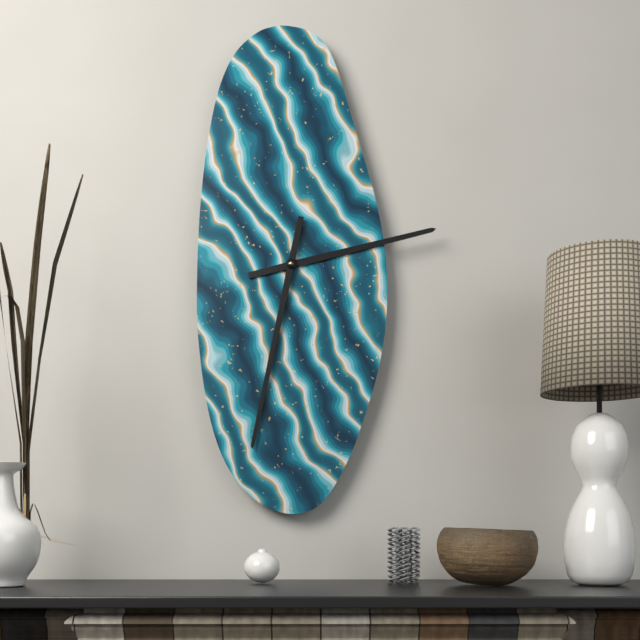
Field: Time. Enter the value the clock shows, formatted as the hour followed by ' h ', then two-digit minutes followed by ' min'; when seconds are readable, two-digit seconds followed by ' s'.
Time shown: 2 h 32 min
